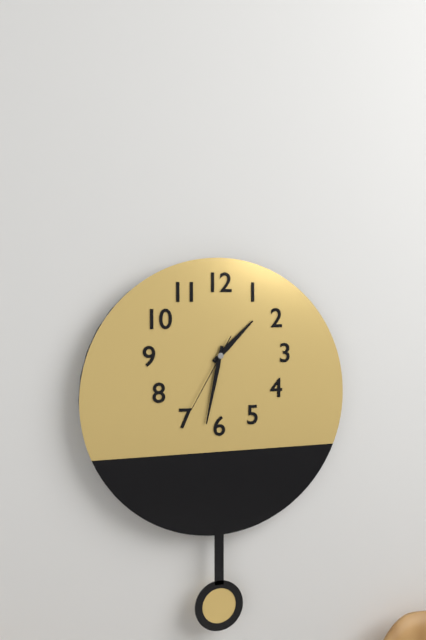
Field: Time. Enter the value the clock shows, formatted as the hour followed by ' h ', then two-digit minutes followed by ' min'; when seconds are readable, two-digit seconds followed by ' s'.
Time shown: 1 h 32 min 35 s
